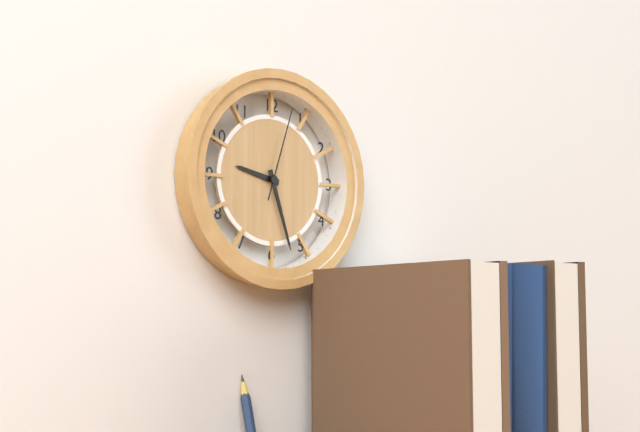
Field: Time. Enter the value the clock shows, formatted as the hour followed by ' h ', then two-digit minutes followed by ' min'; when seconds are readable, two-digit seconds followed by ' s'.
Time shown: 9 h 27 min 03 s
